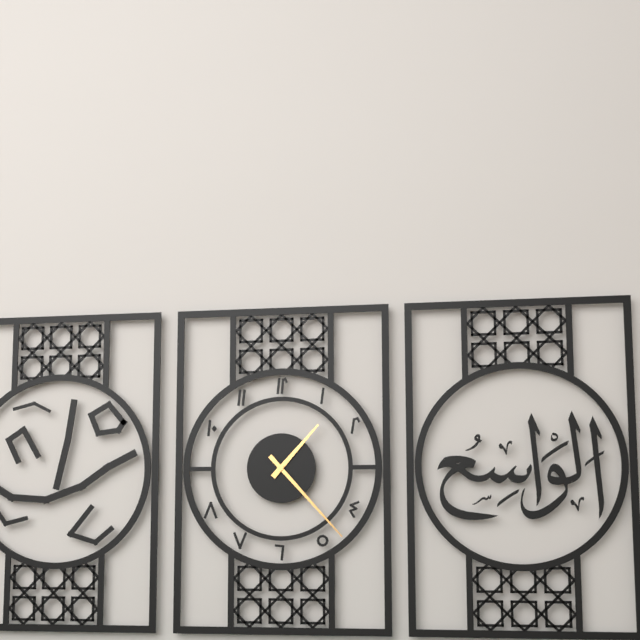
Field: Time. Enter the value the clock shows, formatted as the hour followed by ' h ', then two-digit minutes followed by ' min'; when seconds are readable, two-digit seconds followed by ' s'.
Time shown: 1 h 23 min
